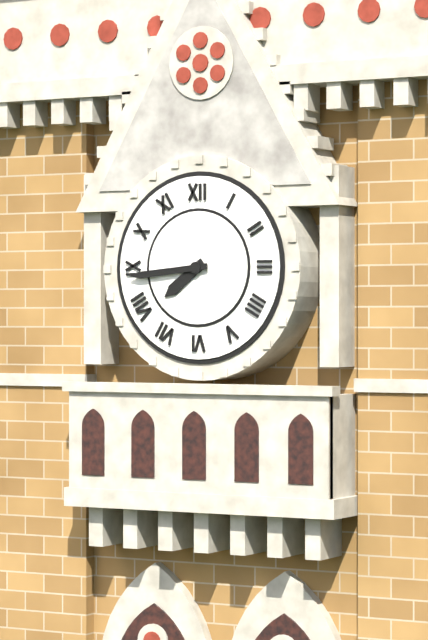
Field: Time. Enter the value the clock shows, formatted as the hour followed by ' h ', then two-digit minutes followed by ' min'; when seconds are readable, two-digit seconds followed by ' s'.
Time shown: 7 h 44 min
